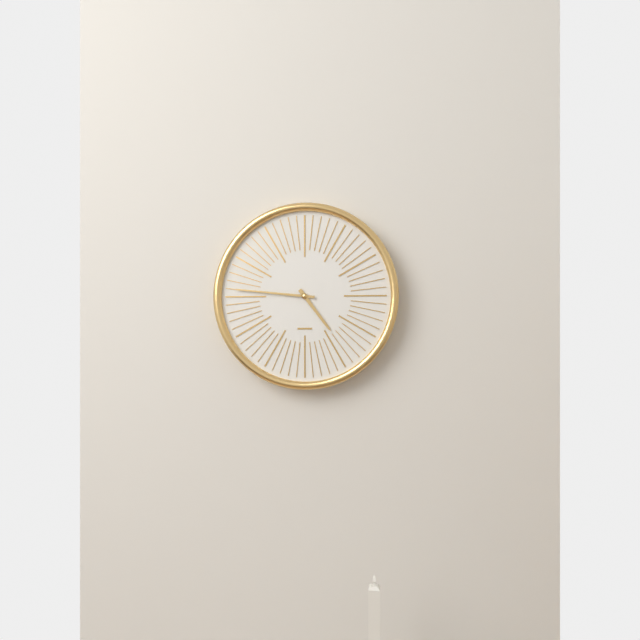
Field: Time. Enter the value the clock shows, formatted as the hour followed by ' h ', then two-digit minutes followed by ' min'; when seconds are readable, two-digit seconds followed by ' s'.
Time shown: 4 h 46 min
